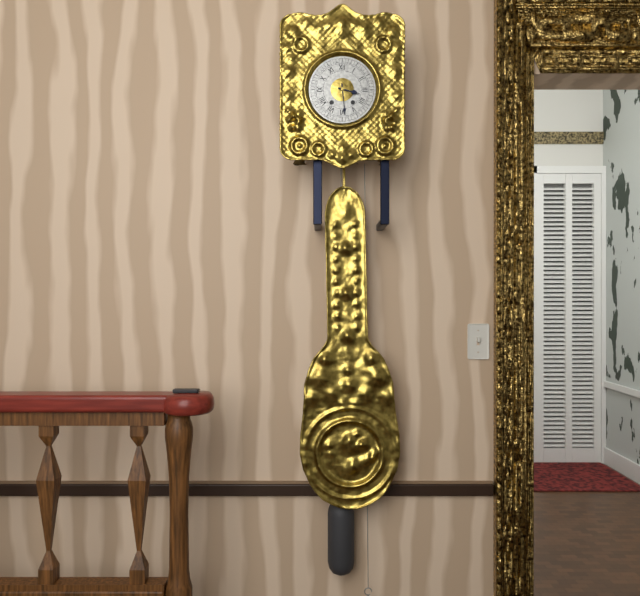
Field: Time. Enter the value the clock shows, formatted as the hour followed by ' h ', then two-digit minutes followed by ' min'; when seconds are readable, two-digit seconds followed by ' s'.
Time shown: 3 h 29 min
